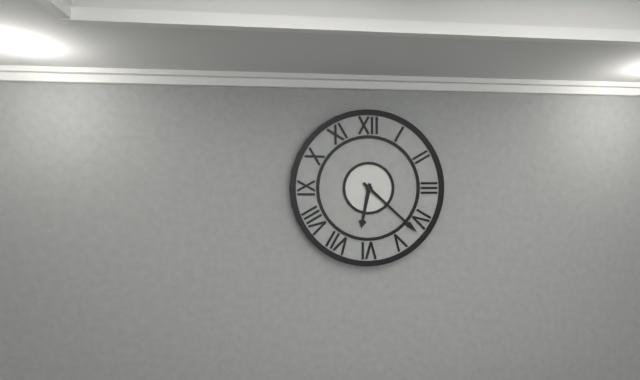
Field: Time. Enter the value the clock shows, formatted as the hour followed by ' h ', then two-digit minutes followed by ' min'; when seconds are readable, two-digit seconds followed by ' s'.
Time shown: 6 h 22 min
